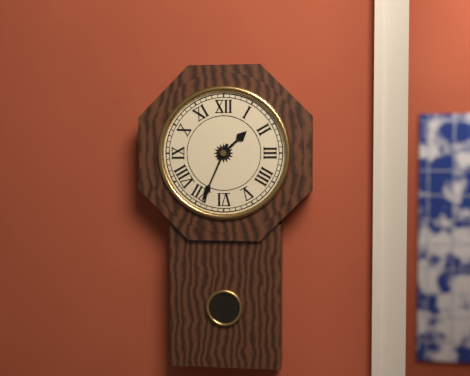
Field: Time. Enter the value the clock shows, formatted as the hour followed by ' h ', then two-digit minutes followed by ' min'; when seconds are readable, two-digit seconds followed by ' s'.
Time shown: 1 h 34 min
